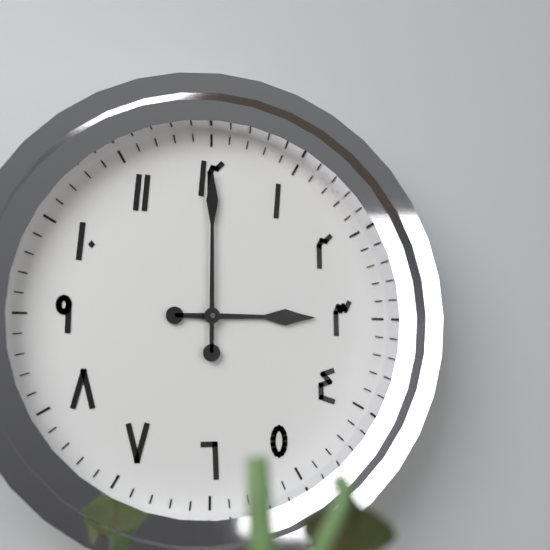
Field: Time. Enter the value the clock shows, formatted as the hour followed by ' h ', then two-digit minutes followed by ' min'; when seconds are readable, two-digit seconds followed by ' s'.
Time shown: 3 h 00 min
